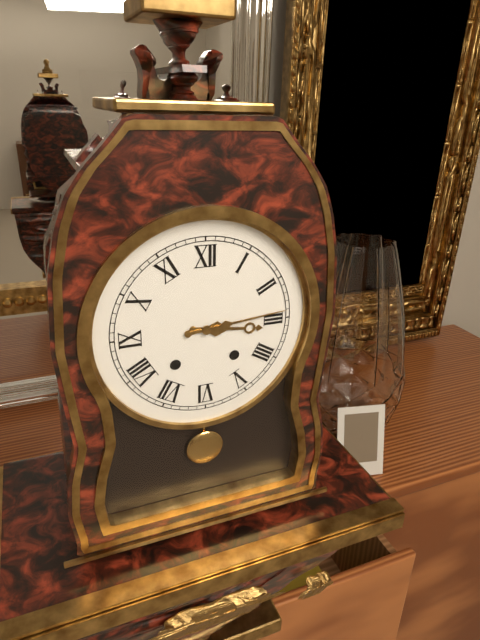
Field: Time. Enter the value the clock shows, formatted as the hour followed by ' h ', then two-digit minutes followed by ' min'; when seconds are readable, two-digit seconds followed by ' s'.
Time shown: 3 h 14 min
